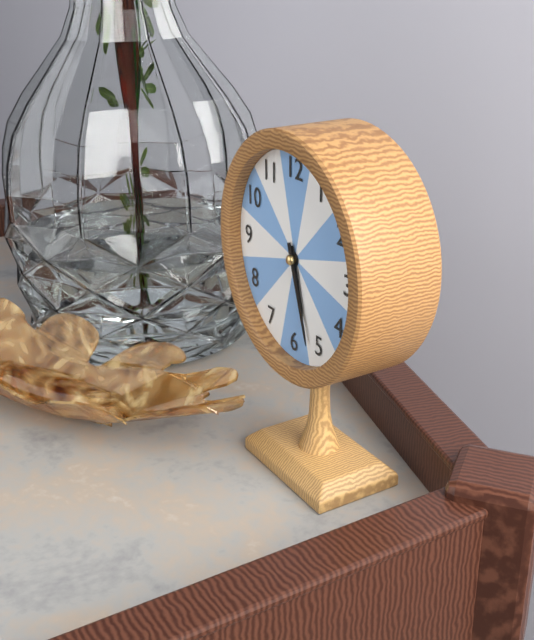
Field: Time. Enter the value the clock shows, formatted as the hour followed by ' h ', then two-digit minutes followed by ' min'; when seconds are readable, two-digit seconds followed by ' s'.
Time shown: 5 h 27 min
